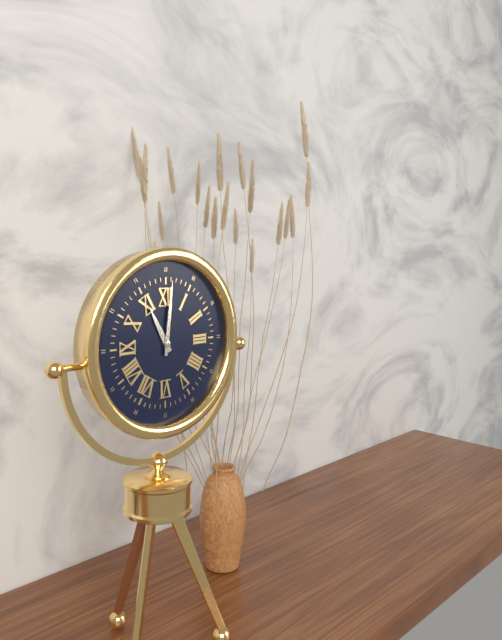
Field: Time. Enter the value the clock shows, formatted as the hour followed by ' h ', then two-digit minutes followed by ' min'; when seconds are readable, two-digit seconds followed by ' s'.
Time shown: 11 h 01 min
